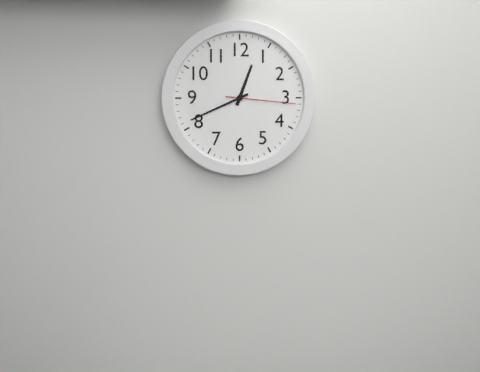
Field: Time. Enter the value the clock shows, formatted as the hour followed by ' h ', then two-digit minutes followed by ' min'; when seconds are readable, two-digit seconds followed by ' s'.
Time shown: 12 h 41 min 16 s
